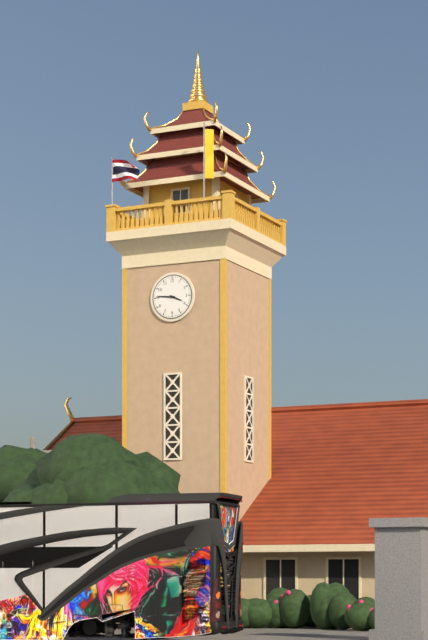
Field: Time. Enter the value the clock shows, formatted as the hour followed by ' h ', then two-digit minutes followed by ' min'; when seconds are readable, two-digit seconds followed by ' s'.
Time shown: 3 h 46 min
